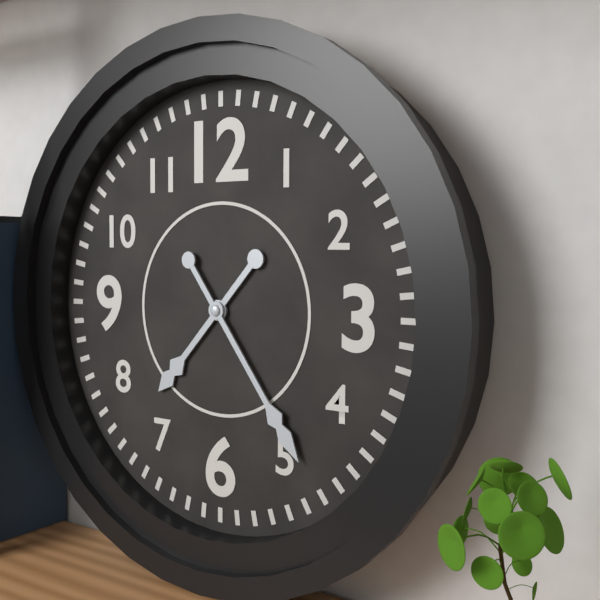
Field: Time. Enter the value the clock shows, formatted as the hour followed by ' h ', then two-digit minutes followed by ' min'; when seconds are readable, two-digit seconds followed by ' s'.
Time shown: 7 h 24 min
